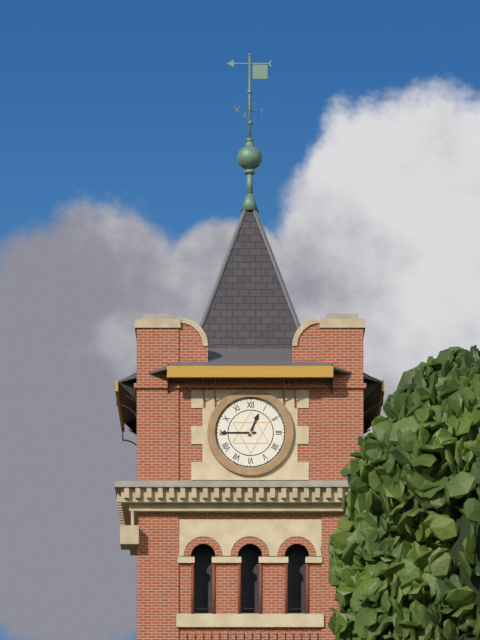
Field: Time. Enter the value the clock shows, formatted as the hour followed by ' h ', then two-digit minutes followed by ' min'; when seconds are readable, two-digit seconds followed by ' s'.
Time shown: 12 h 45 min
